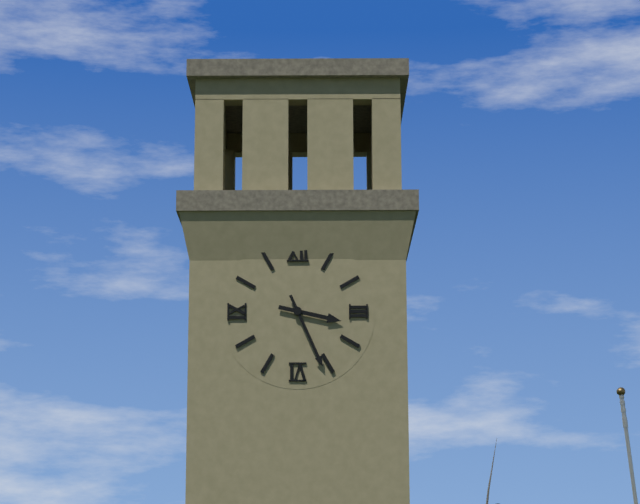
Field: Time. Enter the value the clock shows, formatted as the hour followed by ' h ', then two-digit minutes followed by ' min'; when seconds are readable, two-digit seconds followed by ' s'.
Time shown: 3 h 26 min
